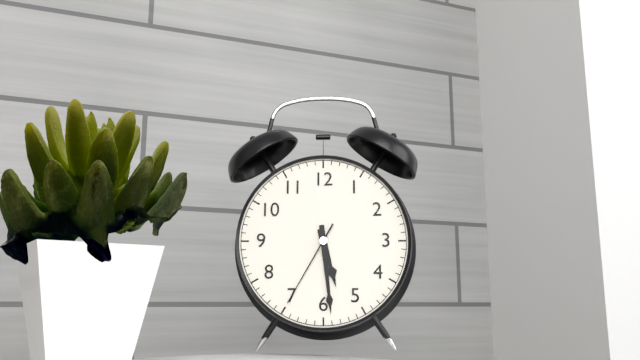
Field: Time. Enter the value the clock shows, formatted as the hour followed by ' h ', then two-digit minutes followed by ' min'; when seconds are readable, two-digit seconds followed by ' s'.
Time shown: 5 h 29 min 35 s
